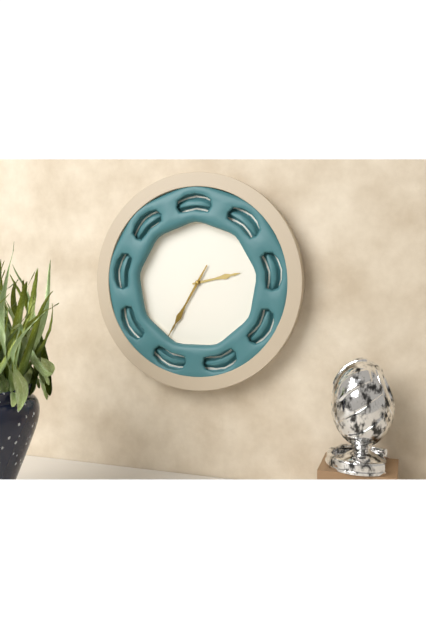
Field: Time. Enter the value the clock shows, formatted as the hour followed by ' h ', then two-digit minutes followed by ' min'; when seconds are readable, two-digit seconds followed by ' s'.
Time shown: 2 h 35 min
